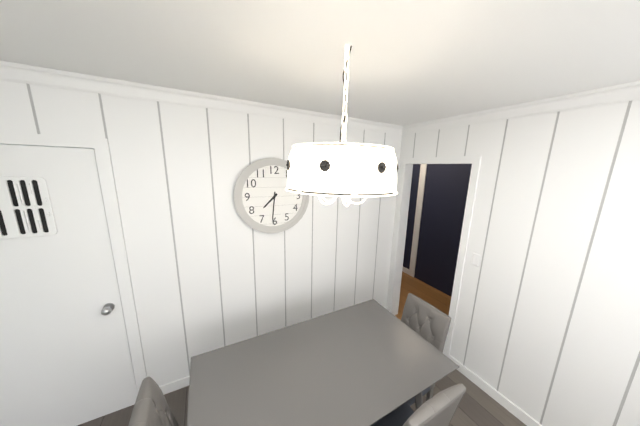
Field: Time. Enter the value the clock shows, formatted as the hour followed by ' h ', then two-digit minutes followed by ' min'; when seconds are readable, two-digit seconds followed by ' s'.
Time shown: 7 h 31 min
